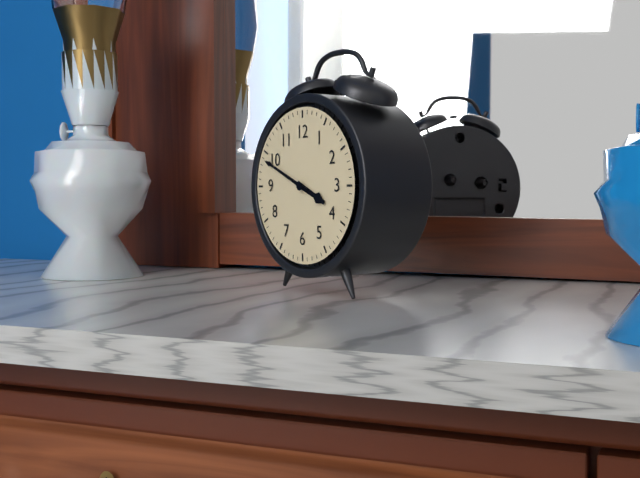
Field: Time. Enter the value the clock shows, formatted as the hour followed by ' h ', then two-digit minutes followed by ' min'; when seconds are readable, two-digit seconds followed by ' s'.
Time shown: 3 h 49 min
